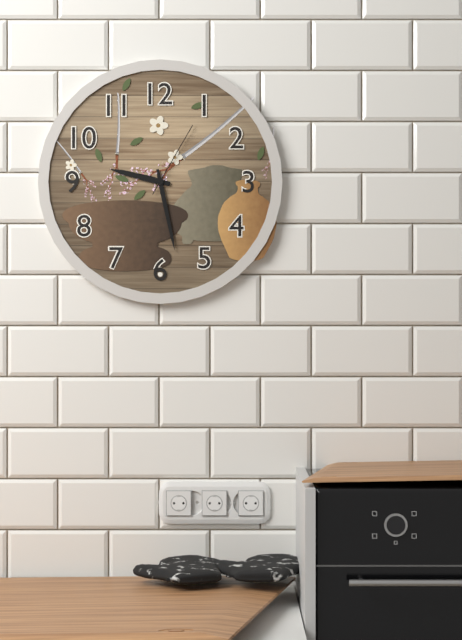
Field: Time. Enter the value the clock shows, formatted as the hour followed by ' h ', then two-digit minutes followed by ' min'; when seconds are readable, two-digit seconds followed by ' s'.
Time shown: 9 h 28 min 05 s
